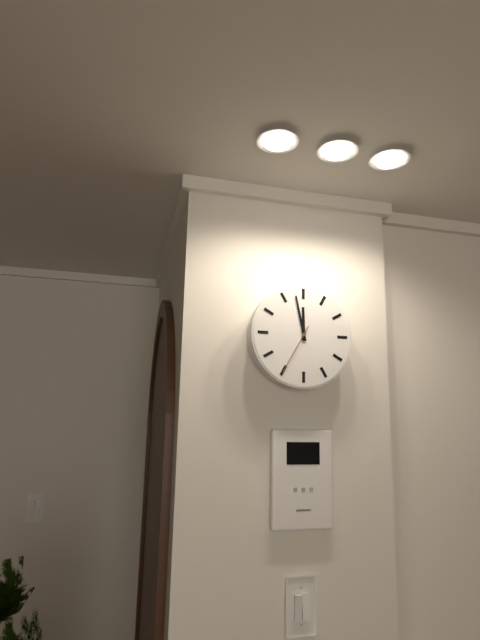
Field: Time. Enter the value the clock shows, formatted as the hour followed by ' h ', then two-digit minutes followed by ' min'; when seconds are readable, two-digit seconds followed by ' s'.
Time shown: 11 h 58 min 35 s
